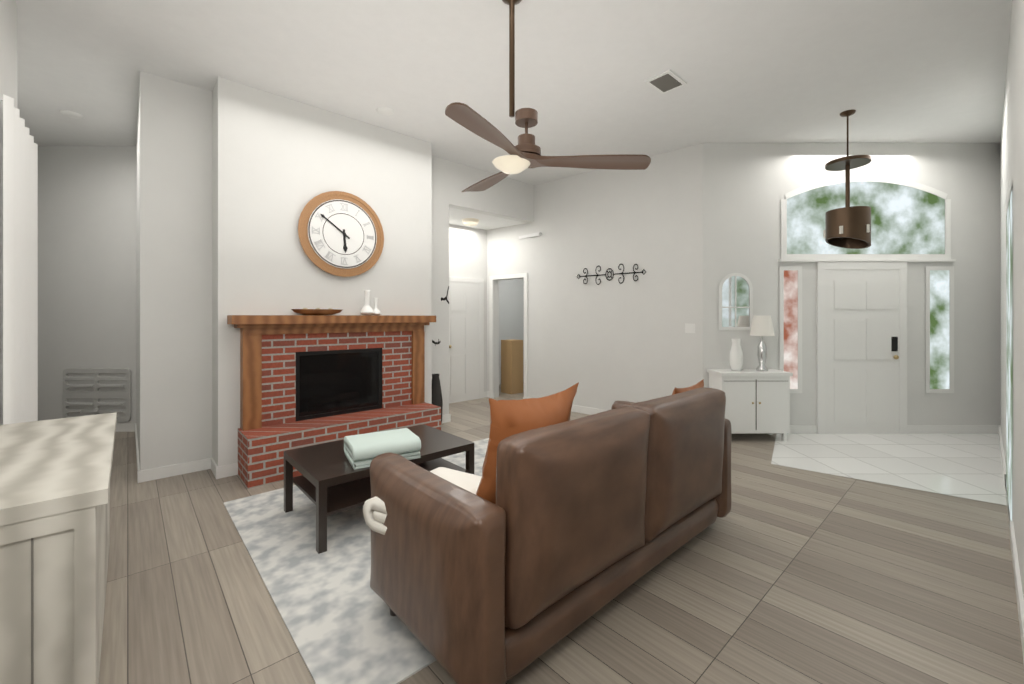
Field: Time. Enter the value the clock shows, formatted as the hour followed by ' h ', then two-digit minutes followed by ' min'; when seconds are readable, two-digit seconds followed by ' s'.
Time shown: 5 h 51 min
